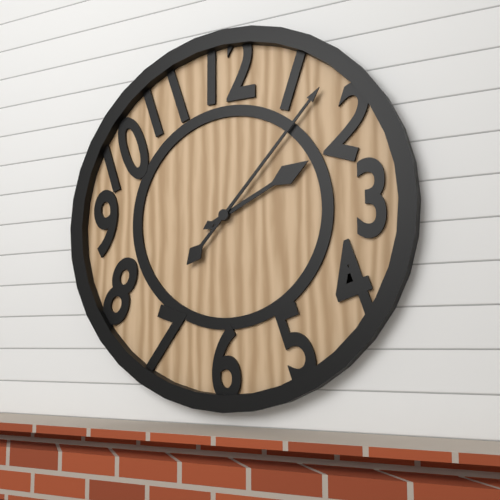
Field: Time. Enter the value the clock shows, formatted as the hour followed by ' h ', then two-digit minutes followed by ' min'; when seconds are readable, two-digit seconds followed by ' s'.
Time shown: 2 h 07 min
